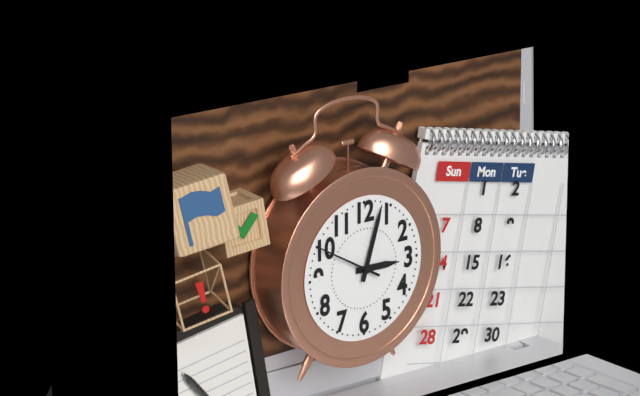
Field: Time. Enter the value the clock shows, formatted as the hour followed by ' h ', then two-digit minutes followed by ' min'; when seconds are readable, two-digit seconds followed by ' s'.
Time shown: 3 h 03 min 50 s
